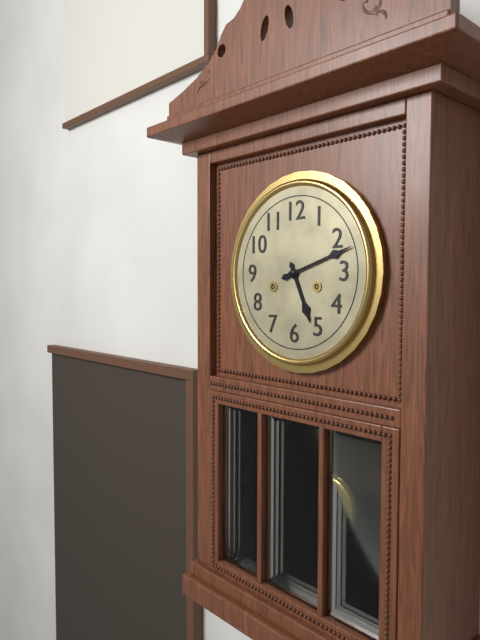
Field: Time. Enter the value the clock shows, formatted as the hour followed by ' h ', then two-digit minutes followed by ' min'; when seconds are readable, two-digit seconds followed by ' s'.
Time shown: 5 h 12 min
